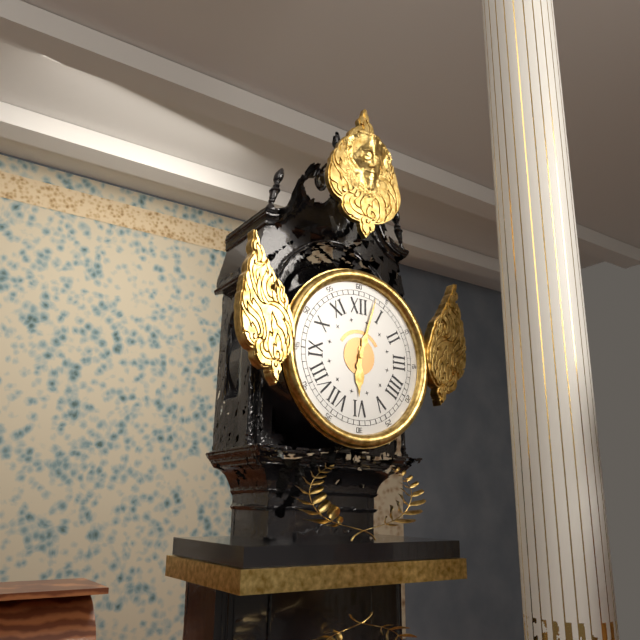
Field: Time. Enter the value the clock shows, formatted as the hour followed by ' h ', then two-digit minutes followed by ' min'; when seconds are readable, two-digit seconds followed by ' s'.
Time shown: 6 h 03 min
